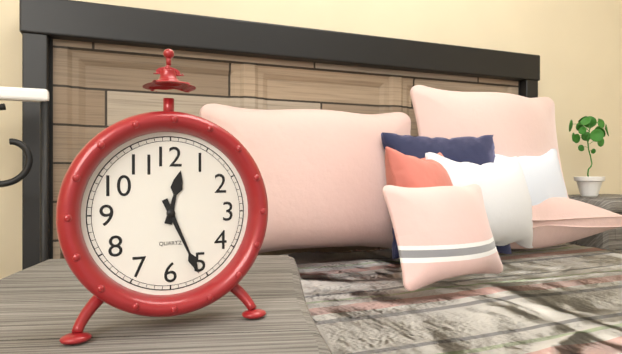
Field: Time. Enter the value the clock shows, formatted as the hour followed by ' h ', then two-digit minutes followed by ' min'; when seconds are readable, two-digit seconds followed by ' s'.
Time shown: 12 h 26 min
